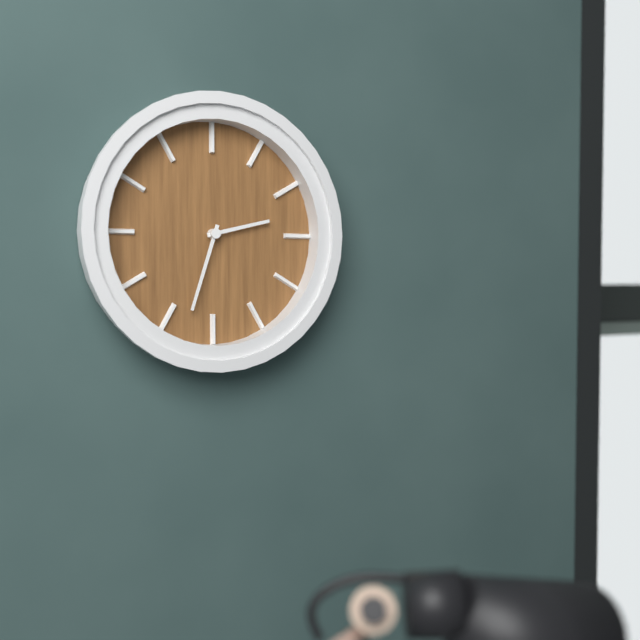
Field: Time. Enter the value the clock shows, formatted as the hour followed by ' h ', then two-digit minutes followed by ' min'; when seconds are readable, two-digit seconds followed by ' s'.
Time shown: 2 h 33 min
